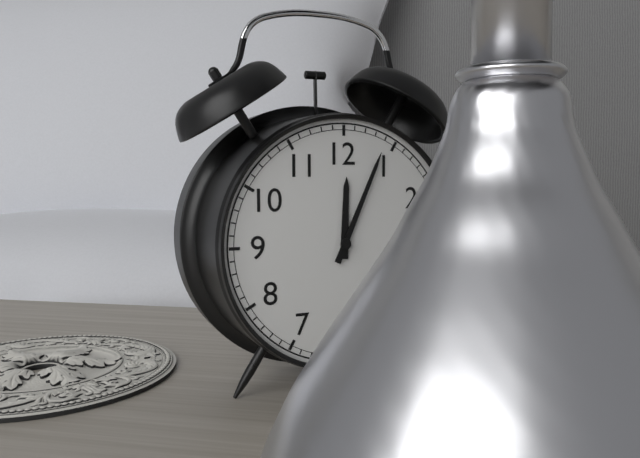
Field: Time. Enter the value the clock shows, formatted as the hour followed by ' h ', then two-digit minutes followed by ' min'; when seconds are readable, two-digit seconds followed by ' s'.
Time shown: 12 h 04 min
